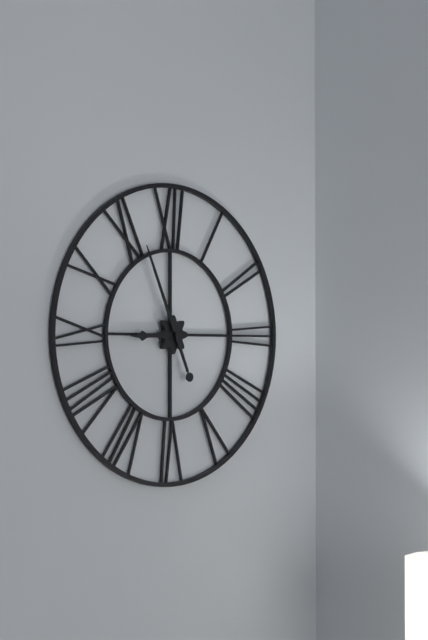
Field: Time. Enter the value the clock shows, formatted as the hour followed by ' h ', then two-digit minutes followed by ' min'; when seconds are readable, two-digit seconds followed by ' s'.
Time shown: 8 h 56 min
